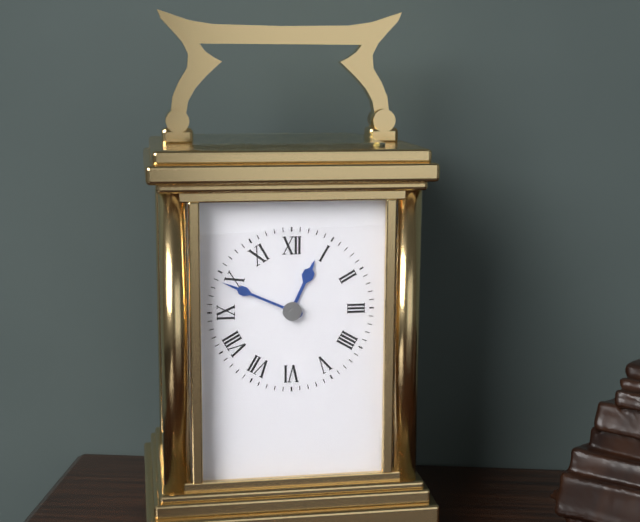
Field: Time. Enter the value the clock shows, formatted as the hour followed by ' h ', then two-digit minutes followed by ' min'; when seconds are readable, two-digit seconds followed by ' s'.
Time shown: 12 h 49 min
